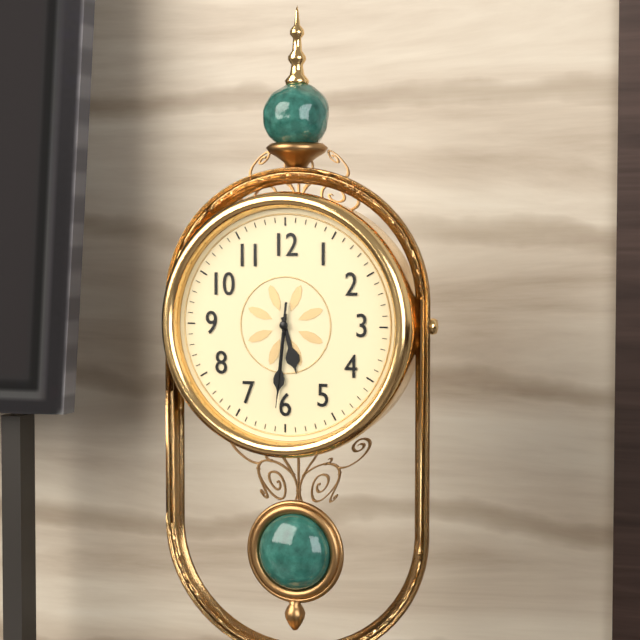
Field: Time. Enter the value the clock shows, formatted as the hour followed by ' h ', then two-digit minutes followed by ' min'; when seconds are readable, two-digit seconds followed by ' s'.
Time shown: 5 h 31 min 31 s
